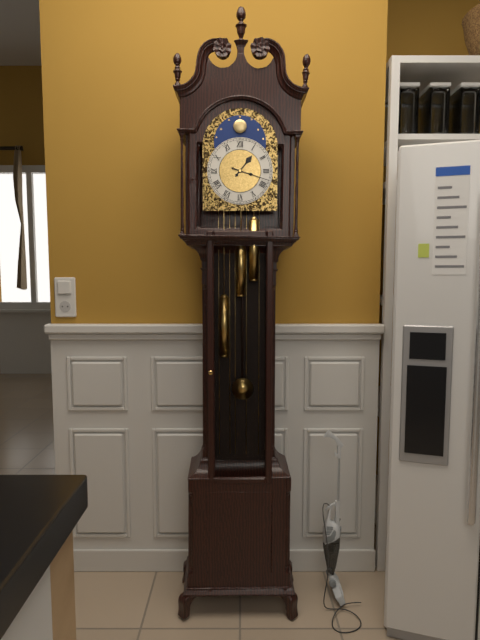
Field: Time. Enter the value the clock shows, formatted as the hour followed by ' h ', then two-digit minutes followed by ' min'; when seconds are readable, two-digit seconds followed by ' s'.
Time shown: 1 h 18 min
